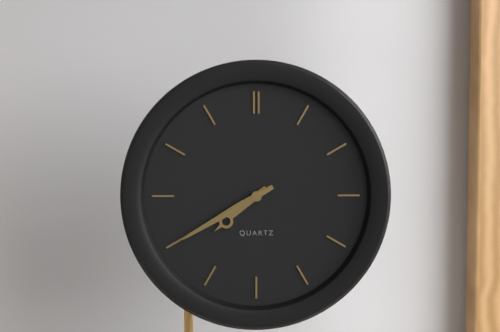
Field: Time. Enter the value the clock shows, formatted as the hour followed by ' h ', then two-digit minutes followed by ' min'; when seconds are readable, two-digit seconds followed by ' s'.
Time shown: 7 h 40 min
